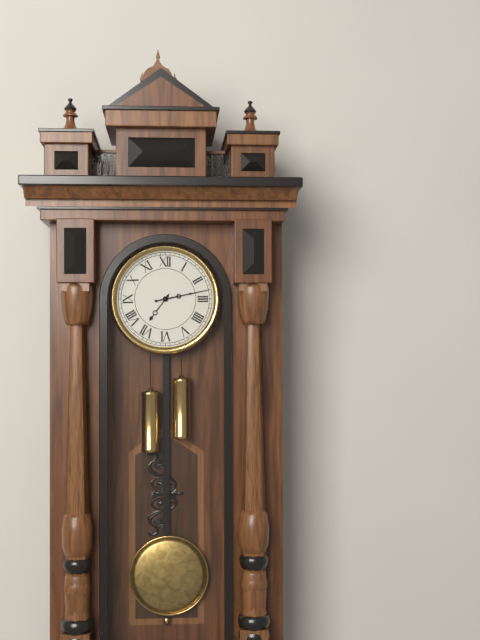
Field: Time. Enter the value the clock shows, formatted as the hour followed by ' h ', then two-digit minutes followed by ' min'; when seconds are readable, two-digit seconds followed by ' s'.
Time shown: 7 h 13 min
